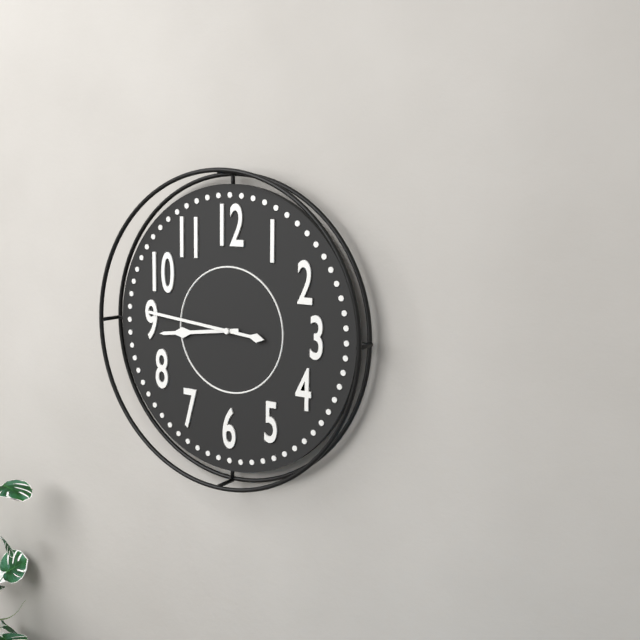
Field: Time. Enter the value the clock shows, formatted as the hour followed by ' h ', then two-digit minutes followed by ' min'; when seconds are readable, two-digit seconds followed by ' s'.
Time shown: 8 h 46 min
